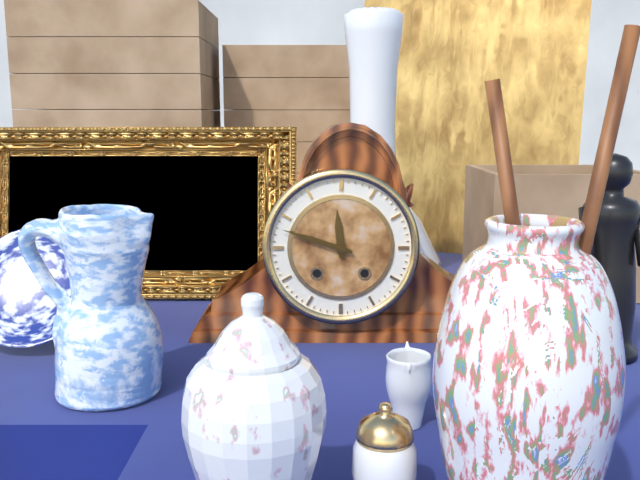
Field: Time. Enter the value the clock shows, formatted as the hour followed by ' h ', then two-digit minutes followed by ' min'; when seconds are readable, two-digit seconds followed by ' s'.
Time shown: 11 h 48 min
